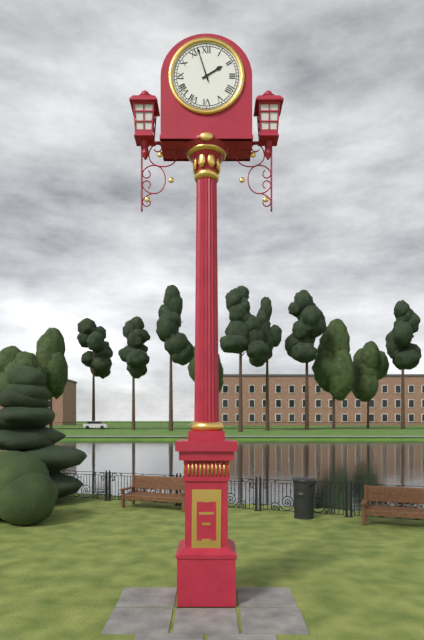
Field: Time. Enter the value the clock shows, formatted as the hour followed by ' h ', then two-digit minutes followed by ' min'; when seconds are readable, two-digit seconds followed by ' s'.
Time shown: 1 h 57 min
